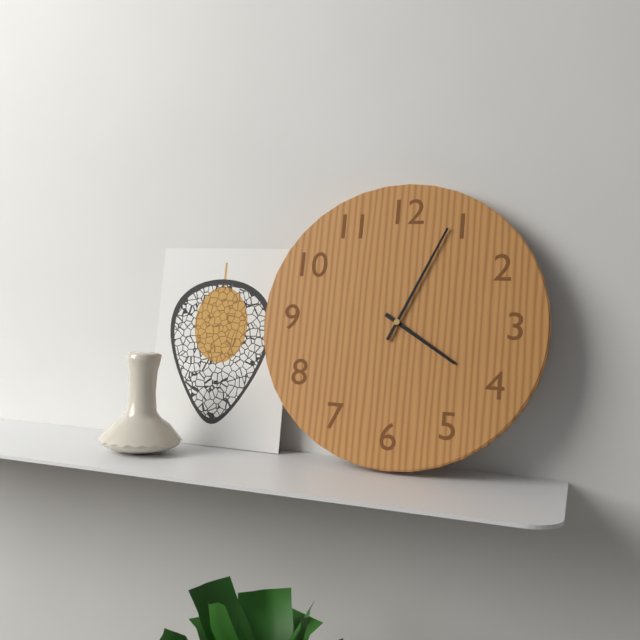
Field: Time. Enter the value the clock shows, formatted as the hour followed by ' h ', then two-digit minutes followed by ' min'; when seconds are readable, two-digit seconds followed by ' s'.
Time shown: 4 h 04 min
